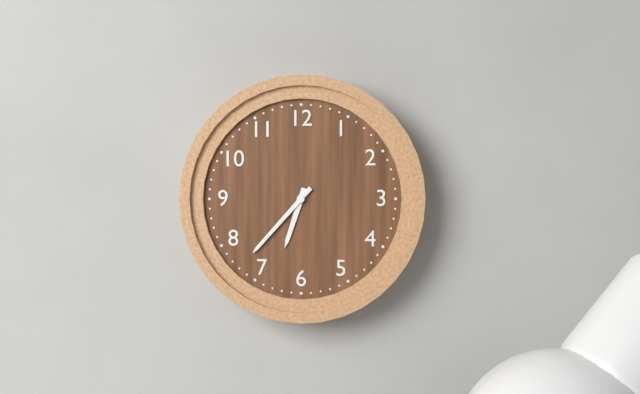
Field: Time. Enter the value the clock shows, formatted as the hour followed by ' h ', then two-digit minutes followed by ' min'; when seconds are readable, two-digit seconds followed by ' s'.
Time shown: 6 h 37 min
